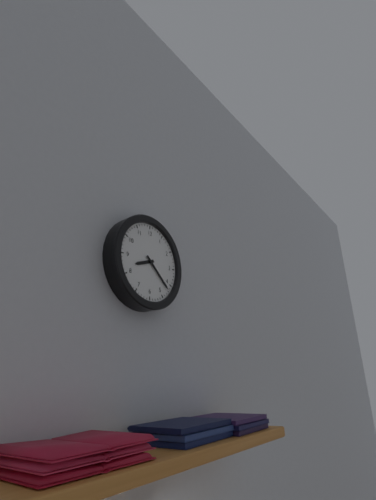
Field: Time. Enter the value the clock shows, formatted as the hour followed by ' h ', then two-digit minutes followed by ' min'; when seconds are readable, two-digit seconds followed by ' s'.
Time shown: 8 h 22 min
